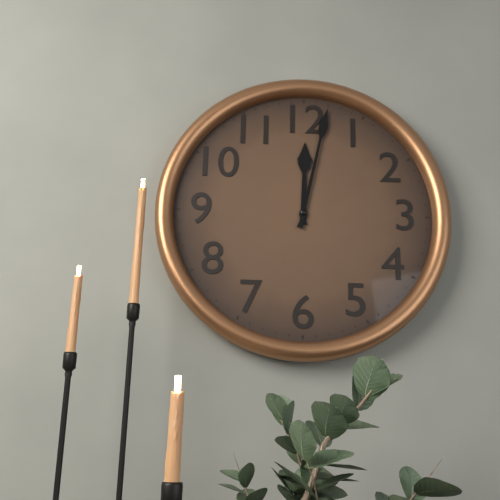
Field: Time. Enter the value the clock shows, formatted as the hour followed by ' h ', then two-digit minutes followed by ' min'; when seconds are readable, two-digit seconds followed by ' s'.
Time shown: 12 h 02 min
